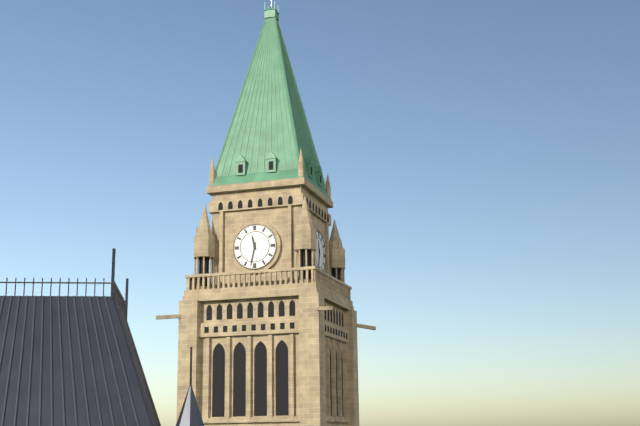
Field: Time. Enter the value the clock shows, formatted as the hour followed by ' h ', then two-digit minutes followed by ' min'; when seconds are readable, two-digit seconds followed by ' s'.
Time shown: 11 h 32 min
